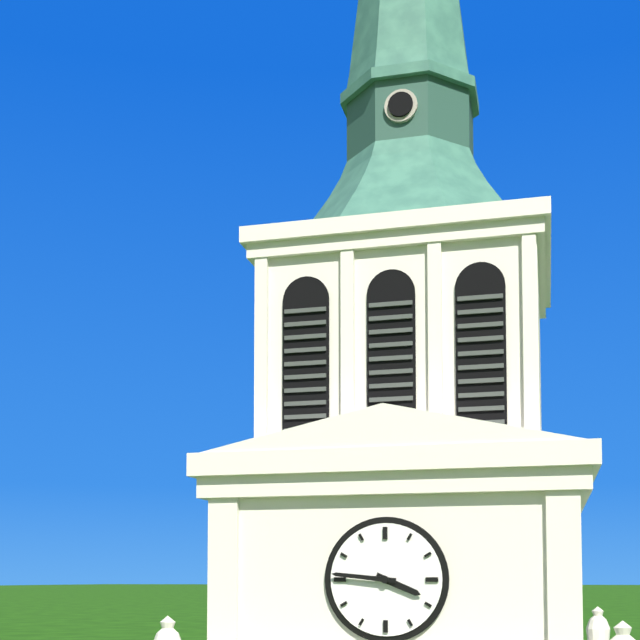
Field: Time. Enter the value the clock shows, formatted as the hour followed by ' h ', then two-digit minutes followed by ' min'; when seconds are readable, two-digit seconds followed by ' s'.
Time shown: 3 h 46 min
